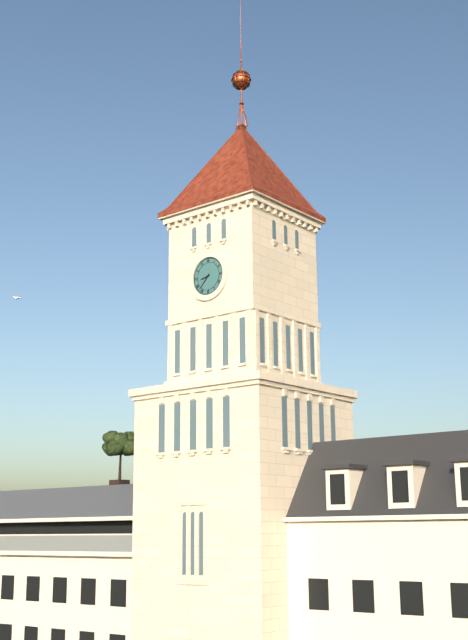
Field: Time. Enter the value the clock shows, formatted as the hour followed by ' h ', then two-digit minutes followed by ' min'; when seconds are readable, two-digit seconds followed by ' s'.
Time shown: 8 h 37 min
